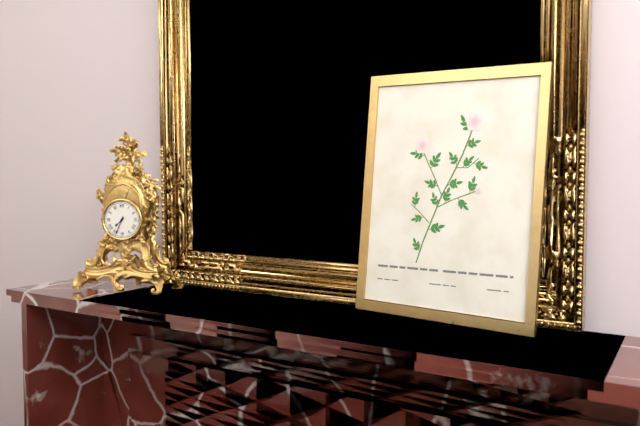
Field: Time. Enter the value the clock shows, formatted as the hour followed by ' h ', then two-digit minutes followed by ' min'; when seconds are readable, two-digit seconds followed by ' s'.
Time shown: 7 h 34 min
